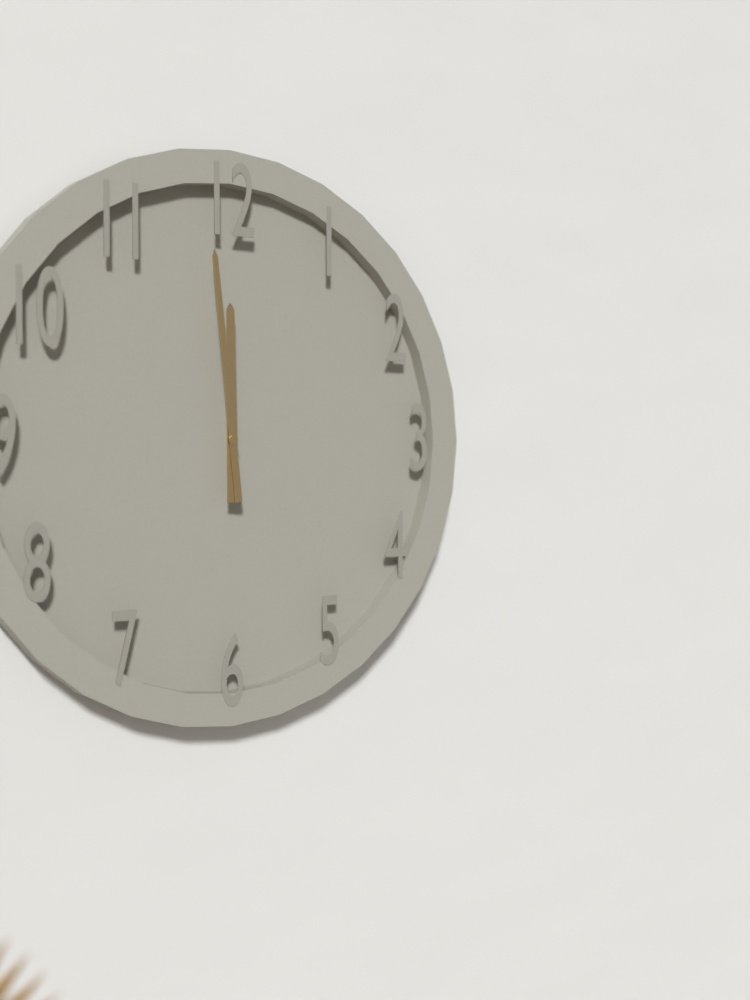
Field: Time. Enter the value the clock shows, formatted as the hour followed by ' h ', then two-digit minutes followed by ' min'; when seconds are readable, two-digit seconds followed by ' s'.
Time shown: 11 h 59 min
